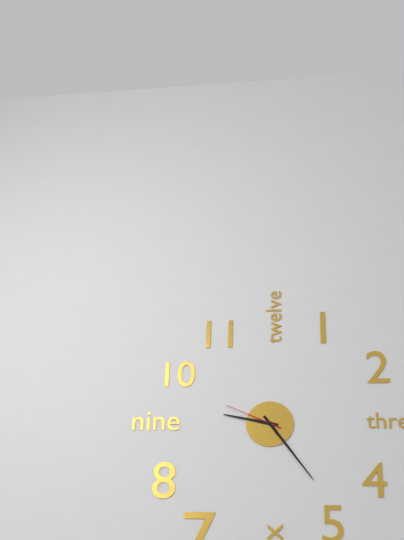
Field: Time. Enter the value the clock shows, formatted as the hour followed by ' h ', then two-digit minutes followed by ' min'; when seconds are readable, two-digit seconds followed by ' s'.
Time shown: 9 h 24 min 49 s
